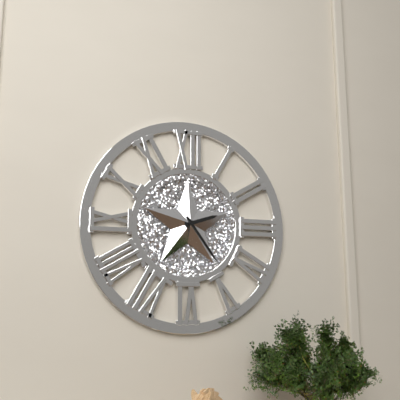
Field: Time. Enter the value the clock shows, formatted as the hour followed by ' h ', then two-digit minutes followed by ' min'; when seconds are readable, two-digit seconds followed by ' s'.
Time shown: 2 h 24 min
